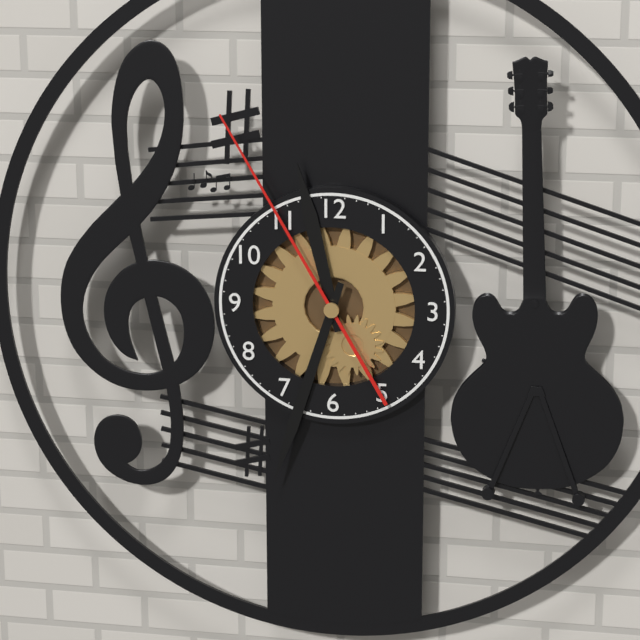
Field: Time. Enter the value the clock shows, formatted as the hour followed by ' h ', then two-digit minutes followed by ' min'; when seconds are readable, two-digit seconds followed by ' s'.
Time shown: 11 h 33 min 55 s
